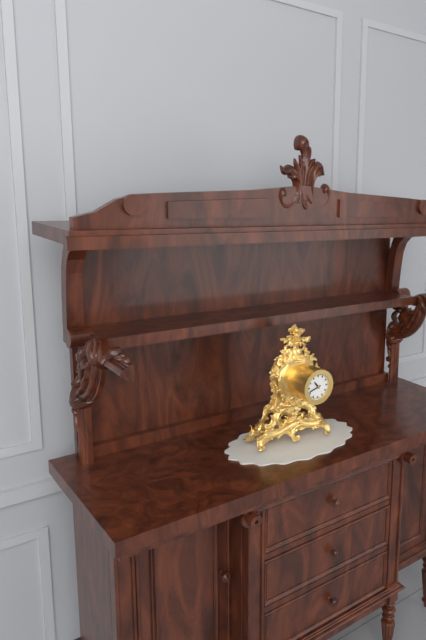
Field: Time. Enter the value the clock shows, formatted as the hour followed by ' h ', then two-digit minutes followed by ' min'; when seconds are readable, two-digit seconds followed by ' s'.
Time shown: 10 h 42 min
